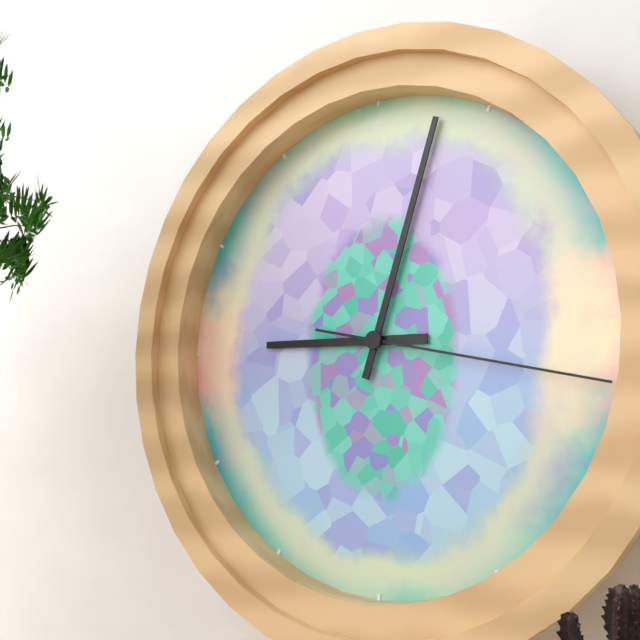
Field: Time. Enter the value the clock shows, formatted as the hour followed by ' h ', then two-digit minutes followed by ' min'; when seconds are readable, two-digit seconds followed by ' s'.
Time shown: 9 h 03 min 17 s
